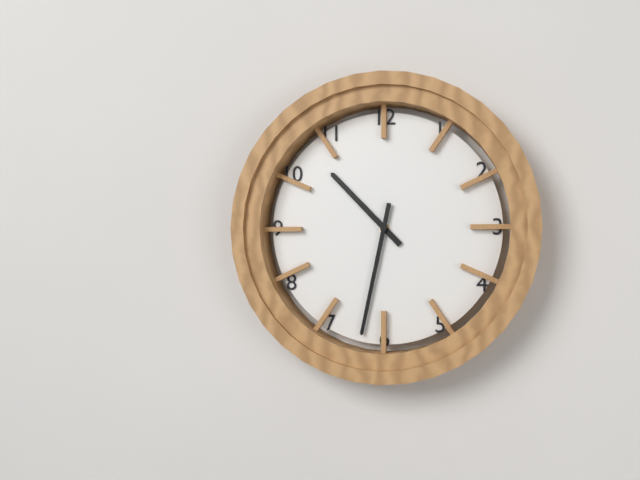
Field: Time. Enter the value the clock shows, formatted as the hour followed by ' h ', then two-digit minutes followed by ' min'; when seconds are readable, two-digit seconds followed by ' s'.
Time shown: 10 h 32 min
